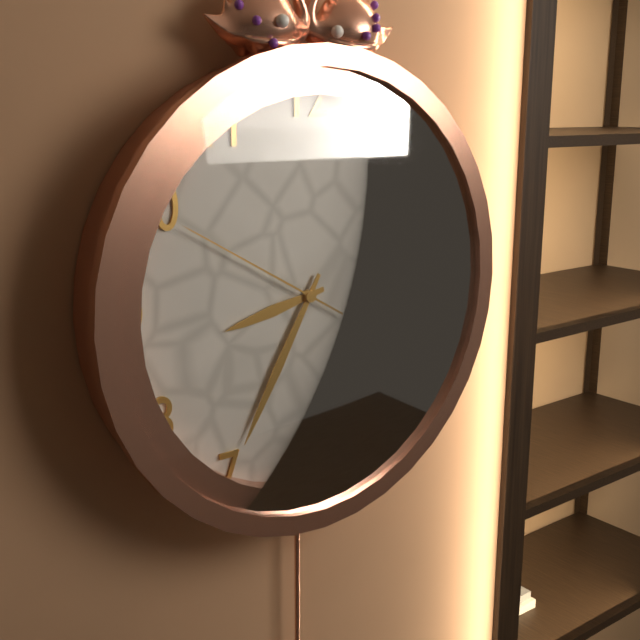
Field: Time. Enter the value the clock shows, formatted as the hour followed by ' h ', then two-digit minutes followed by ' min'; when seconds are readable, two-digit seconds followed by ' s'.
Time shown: 8 h 35 min 50 s
